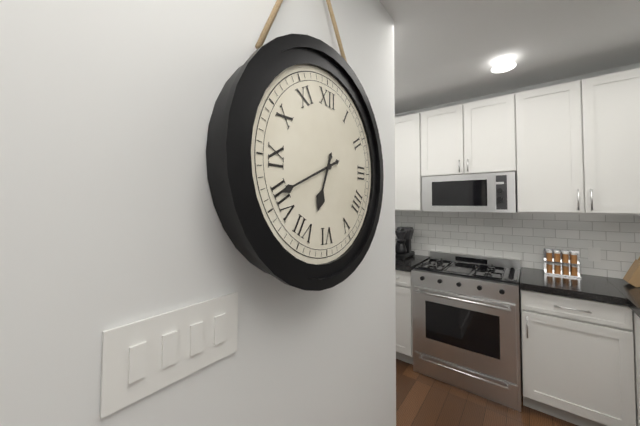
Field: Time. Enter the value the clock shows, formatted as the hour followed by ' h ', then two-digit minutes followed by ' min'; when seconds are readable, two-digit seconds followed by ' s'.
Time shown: 6 h 41 min
